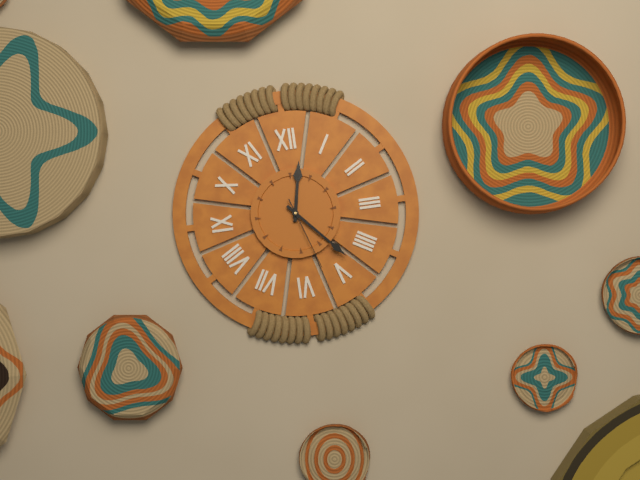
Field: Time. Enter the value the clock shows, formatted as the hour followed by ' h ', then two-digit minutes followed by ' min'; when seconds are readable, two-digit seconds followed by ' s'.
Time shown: 12 h 23 min 27 s
